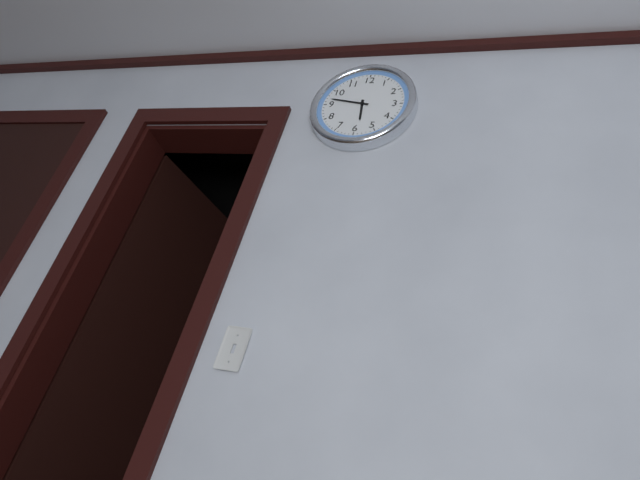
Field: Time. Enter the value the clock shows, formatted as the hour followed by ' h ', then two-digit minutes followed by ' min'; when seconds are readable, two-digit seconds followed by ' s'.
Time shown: 5 h 47 min
